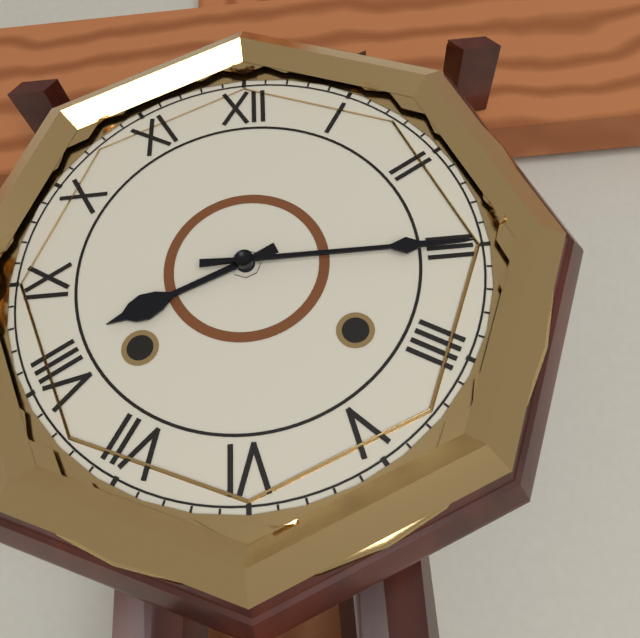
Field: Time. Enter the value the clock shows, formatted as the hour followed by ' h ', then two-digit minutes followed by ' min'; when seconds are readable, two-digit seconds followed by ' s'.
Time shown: 8 h 15 min
